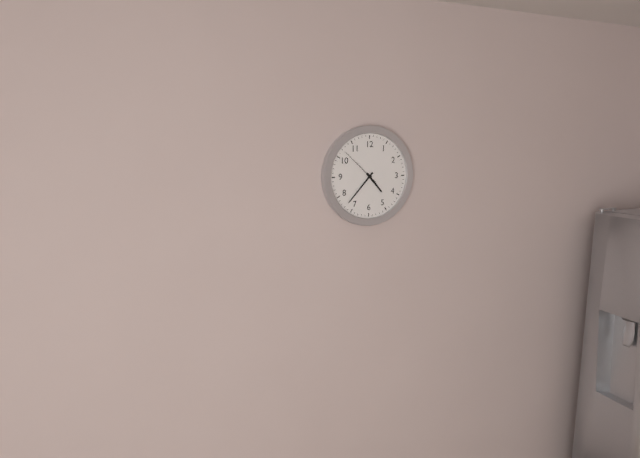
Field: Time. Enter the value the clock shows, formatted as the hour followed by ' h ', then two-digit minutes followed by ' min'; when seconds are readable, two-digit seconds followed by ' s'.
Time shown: 4 h 37 min
